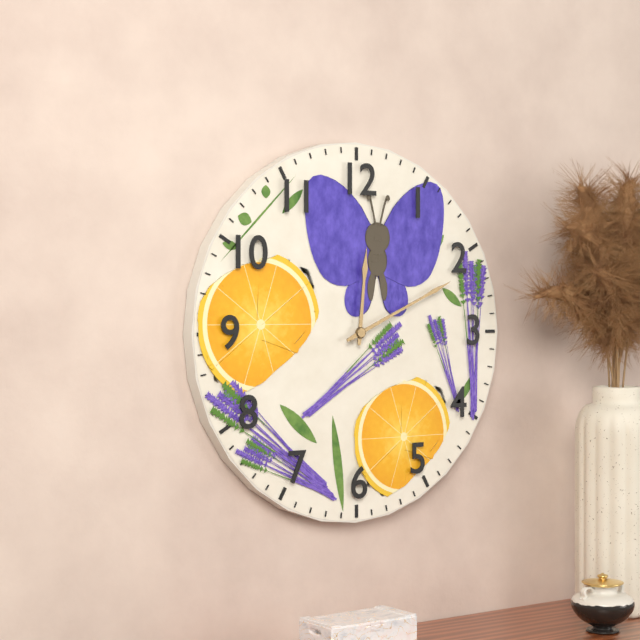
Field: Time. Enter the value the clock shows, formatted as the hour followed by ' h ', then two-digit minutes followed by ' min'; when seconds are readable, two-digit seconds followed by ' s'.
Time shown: 12 h 11 min
